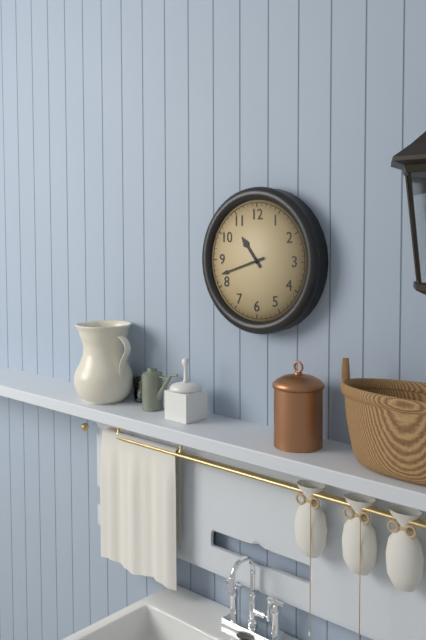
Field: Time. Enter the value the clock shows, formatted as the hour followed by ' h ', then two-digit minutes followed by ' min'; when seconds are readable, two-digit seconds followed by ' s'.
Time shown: 10 h 42 min
